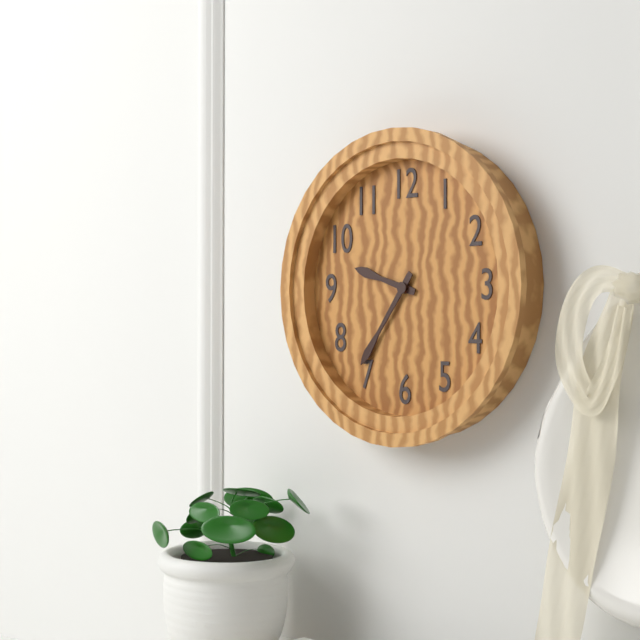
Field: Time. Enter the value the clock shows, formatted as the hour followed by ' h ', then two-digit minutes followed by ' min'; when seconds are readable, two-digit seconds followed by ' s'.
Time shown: 9 h 36 min
